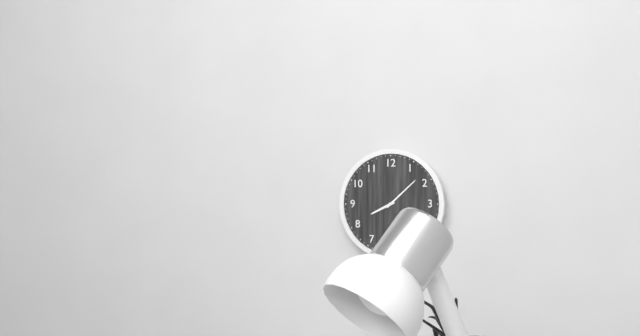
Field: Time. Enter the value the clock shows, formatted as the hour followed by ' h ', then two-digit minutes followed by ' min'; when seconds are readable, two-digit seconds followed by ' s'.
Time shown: 8 h 08 min
